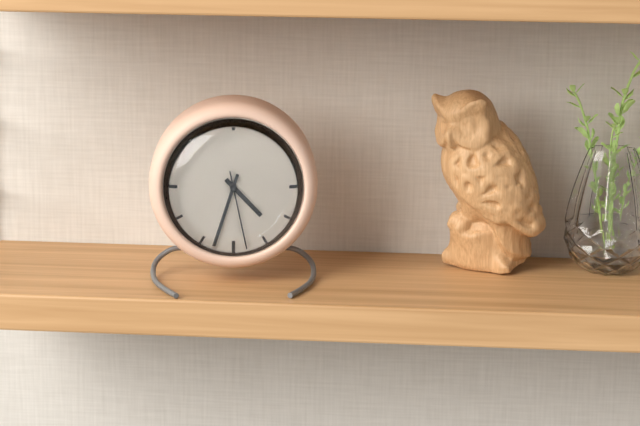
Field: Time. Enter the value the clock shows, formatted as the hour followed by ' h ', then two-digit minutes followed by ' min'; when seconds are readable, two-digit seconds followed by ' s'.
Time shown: 4 h 33 min 28 s
